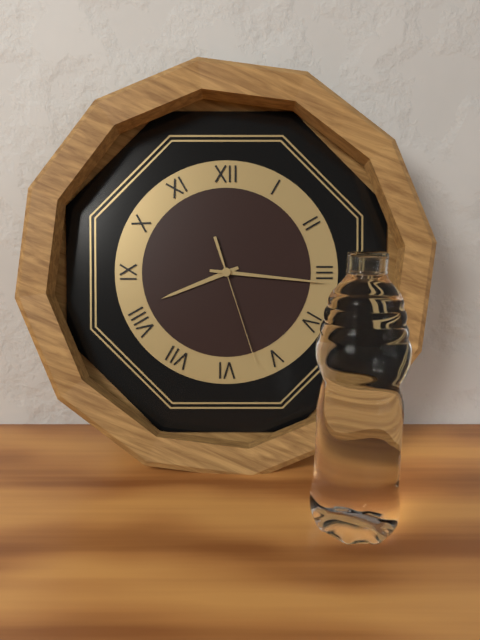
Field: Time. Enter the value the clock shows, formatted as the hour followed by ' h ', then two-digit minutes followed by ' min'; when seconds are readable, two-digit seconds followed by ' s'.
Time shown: 8 h 16 min 27 s
